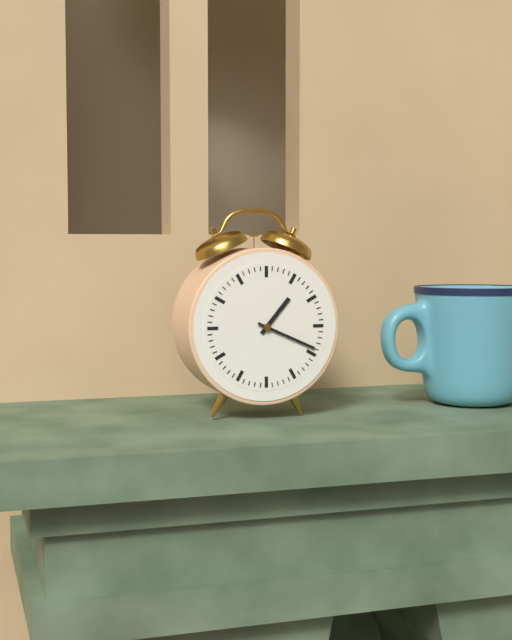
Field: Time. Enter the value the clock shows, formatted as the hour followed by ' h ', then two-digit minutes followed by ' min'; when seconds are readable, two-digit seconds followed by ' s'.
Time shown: 1 h 19 min
